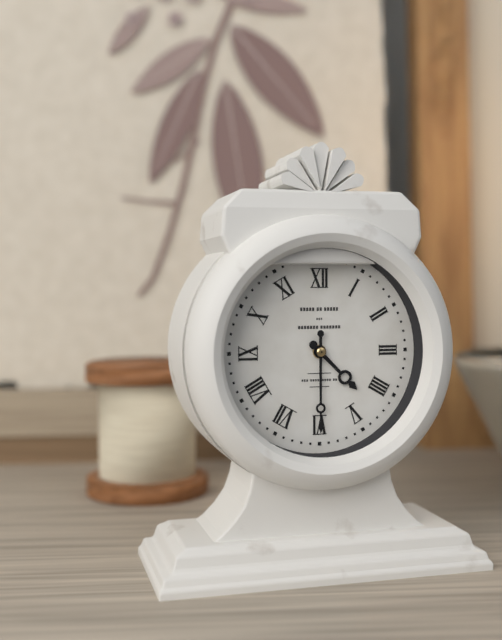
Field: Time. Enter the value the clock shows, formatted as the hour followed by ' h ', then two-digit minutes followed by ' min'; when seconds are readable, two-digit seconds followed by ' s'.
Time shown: 4 h 30 min
